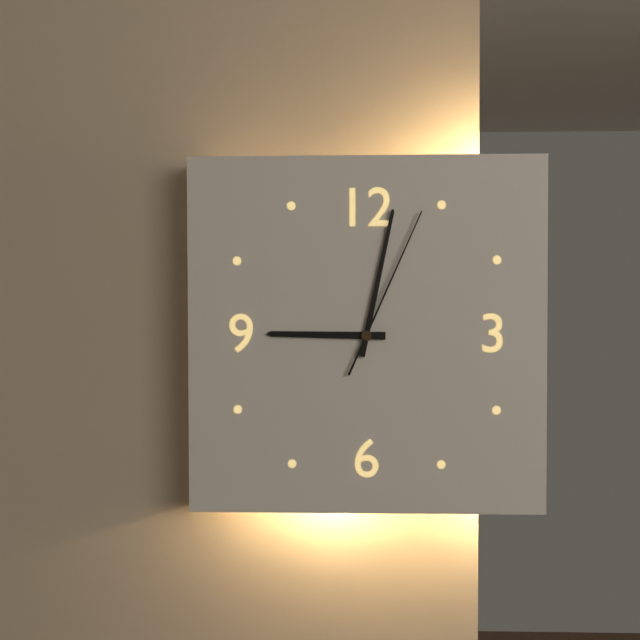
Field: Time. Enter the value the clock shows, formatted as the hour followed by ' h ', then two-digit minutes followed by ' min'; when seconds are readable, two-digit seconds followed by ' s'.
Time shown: 9 h 02 min 04 s
